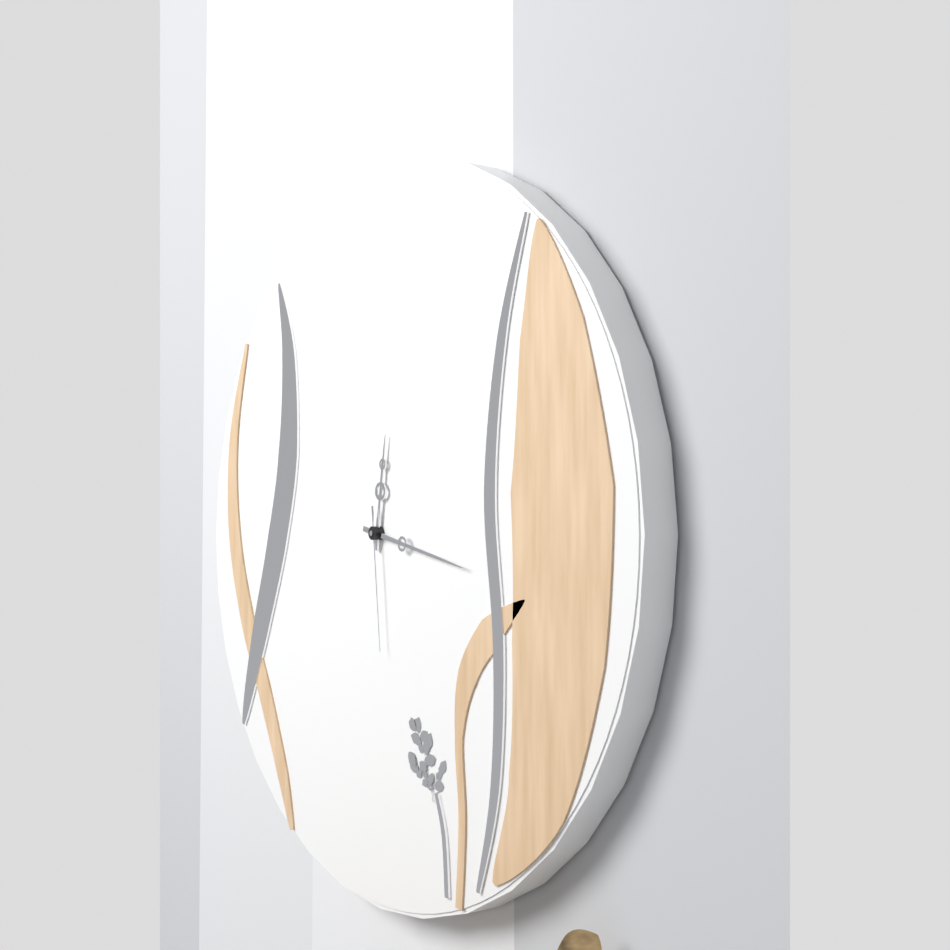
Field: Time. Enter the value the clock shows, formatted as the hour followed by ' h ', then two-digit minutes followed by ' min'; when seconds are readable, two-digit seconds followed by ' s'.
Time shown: 12 h 17 min 29 s
